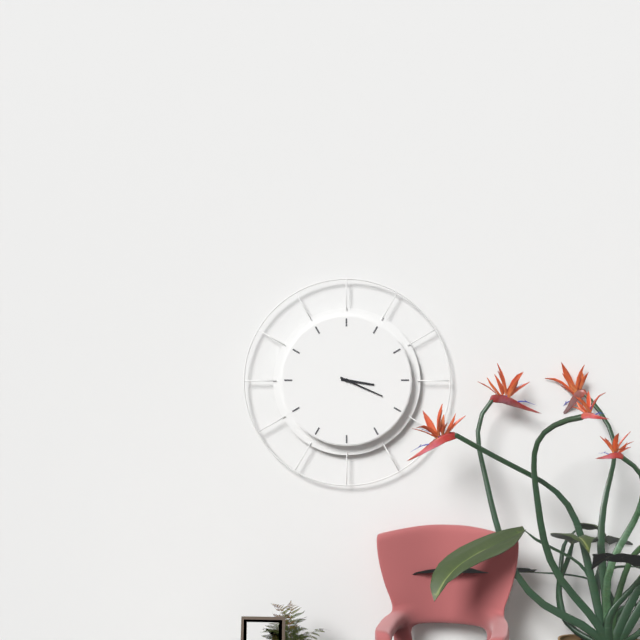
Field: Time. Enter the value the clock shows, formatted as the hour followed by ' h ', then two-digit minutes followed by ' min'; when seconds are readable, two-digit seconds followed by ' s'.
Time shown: 3 h 19 min
